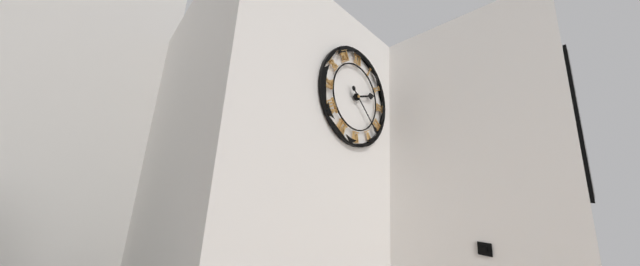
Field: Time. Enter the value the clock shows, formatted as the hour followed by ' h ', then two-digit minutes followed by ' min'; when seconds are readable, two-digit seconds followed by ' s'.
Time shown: 2 h 22 min
